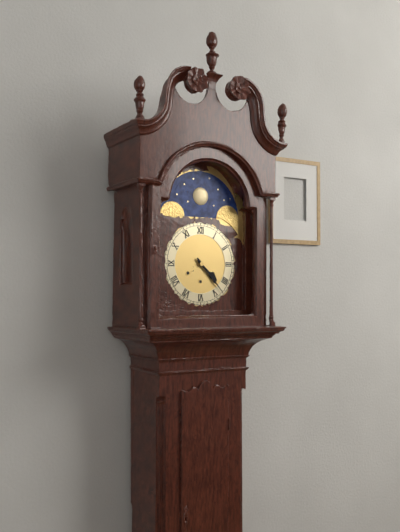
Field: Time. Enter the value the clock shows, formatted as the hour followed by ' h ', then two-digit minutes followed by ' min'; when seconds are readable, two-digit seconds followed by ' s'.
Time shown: 4 h 23 min
